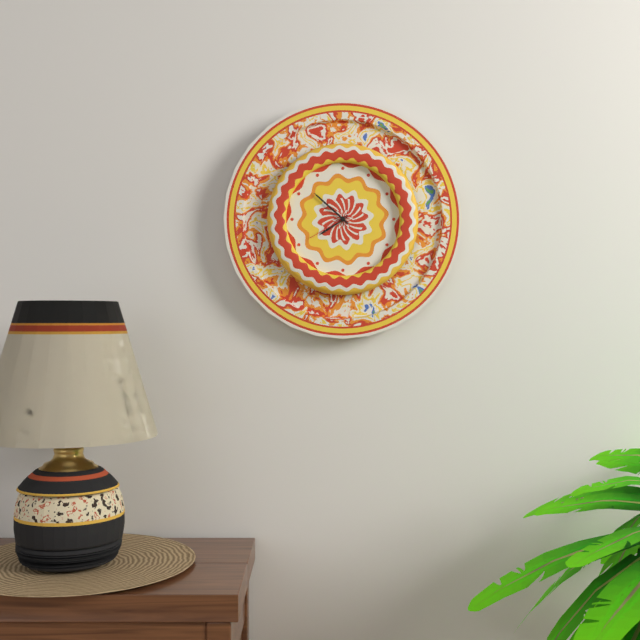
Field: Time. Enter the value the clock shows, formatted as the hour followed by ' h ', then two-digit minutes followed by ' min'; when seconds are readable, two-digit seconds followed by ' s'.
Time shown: 7 h 52 min
